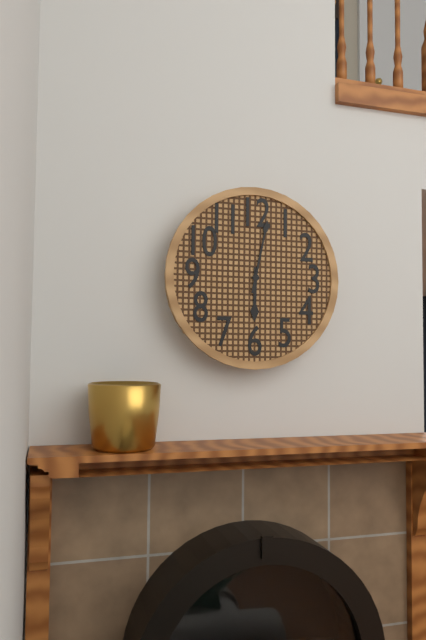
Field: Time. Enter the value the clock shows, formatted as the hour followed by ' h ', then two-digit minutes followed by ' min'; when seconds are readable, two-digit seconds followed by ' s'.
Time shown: 6 h 02 min
